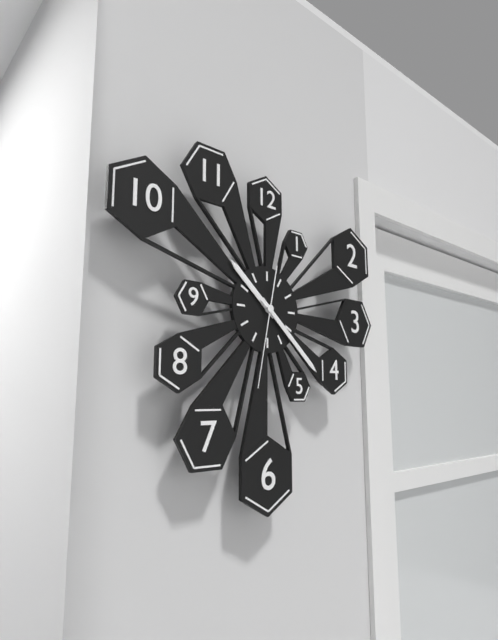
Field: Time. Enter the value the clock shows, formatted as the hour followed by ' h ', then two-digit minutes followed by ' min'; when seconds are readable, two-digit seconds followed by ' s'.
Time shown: 10 h 22 min 32 s
